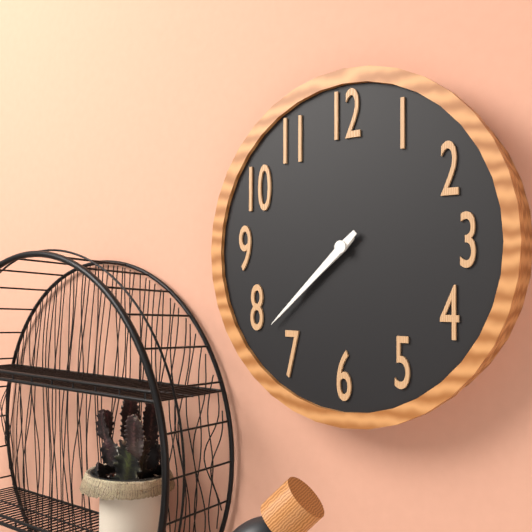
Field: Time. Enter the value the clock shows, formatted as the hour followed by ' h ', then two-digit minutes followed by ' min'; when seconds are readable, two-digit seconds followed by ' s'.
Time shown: 7 h 38 min
